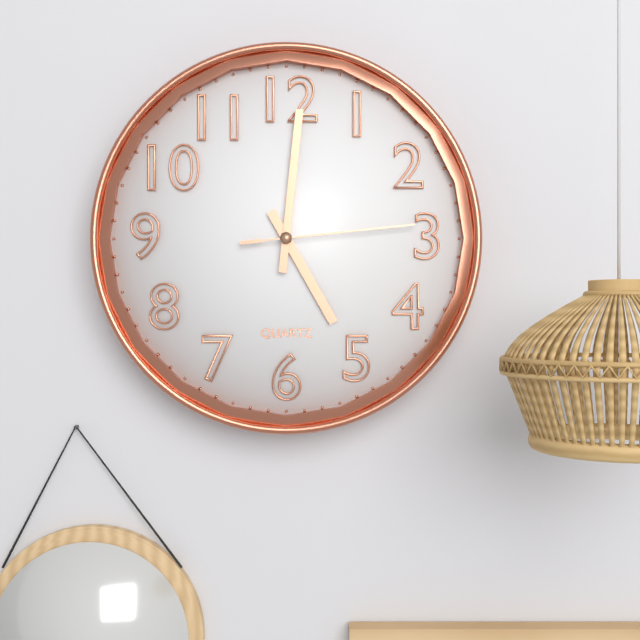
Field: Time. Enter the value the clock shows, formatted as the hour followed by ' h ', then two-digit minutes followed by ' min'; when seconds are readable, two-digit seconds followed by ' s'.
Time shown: 5 h 01 min 14 s
